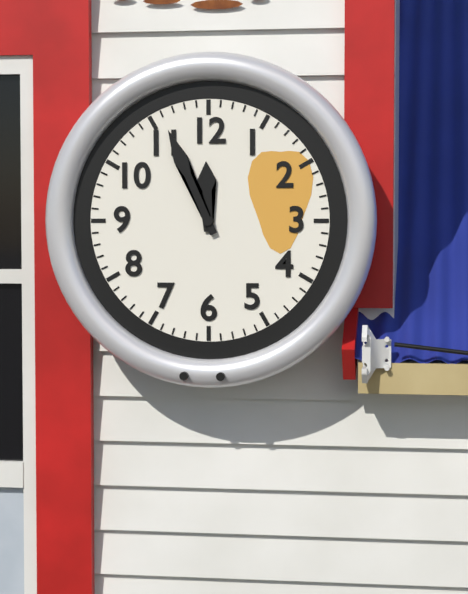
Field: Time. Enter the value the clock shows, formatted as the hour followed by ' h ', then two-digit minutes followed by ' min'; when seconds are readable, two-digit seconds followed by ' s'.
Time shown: 11 h 56 min
